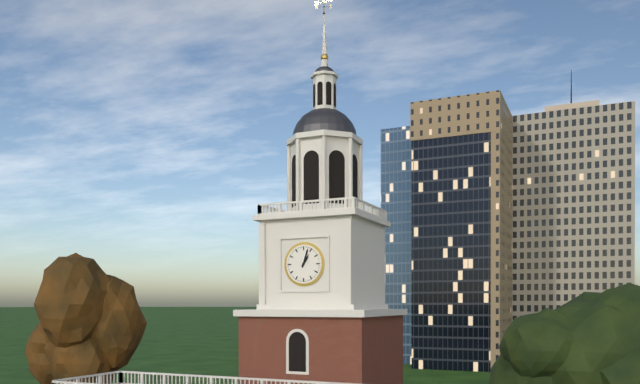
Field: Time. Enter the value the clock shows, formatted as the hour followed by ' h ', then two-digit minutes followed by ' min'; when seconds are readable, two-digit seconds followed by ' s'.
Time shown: 1 h 03 min
